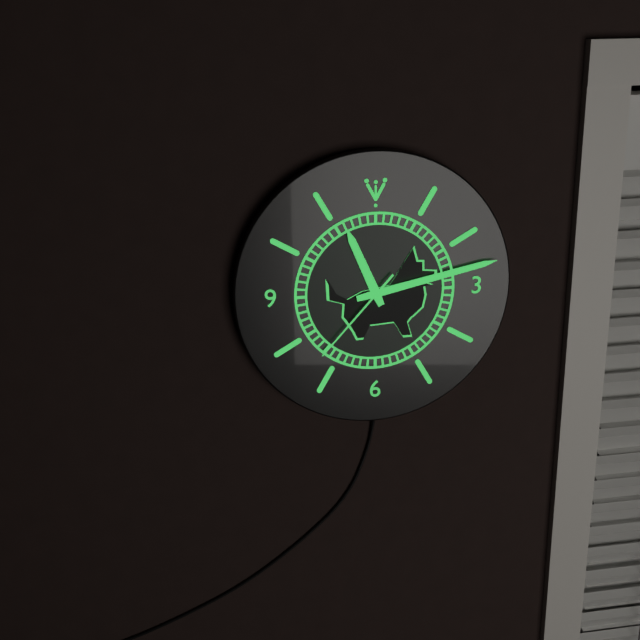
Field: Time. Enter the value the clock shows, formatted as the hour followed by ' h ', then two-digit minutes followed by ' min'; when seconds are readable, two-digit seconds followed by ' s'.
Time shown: 11 h 13 min 37 s
